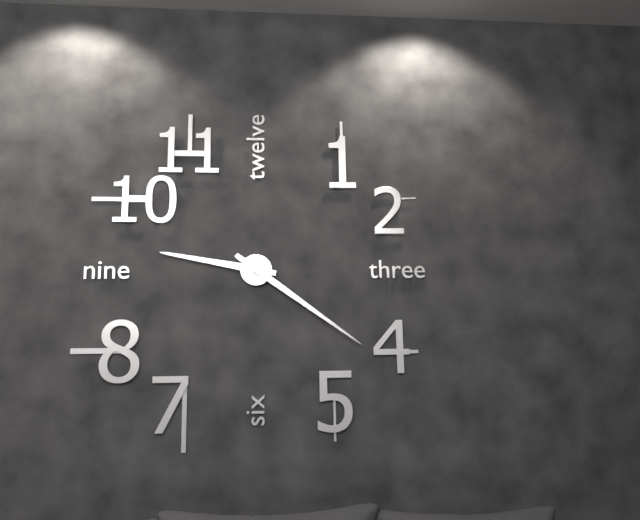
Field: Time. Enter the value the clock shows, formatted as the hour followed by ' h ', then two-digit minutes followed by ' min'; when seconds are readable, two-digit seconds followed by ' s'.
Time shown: 9 h 21 min
